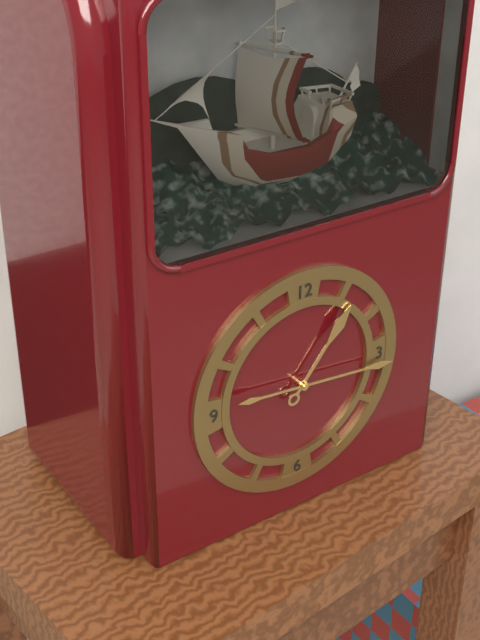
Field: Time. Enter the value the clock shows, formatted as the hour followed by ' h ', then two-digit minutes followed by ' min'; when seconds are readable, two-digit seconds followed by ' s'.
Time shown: 1 h 16 min
